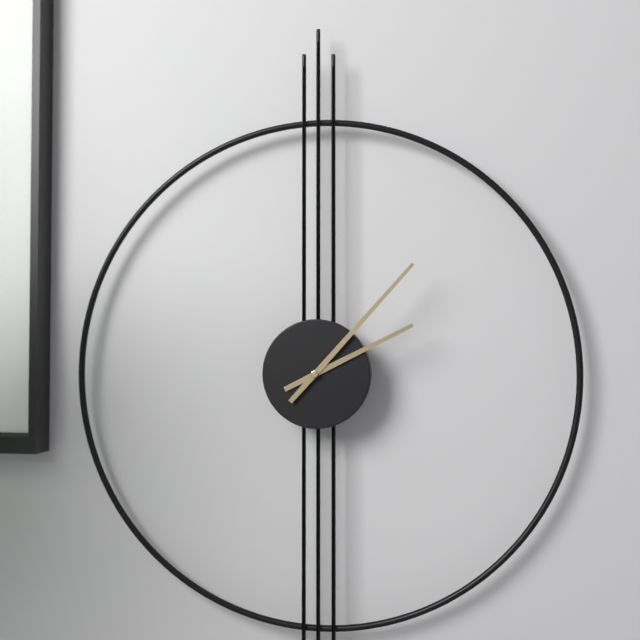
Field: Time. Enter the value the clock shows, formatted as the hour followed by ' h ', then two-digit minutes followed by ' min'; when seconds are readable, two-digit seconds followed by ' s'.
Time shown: 2 h 07 min
